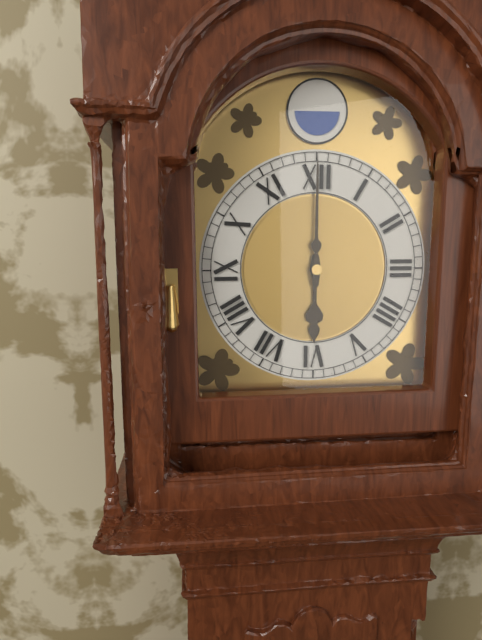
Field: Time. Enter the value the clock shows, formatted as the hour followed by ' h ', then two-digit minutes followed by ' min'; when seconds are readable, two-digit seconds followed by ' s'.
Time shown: 6 h 00 min
